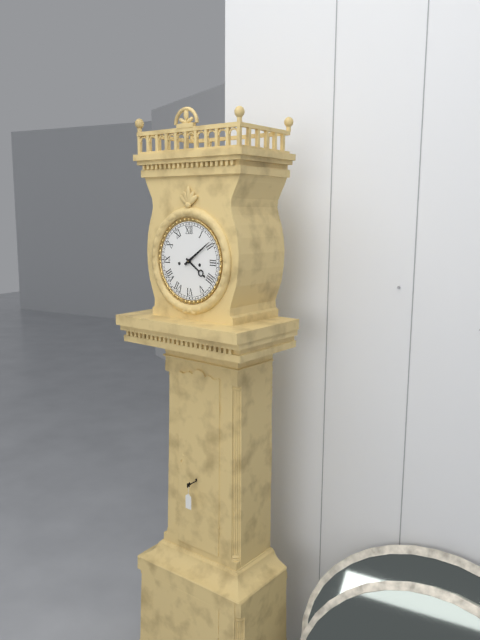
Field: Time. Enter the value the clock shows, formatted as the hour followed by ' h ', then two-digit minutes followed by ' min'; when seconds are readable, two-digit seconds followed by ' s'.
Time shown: 4 h 09 min
